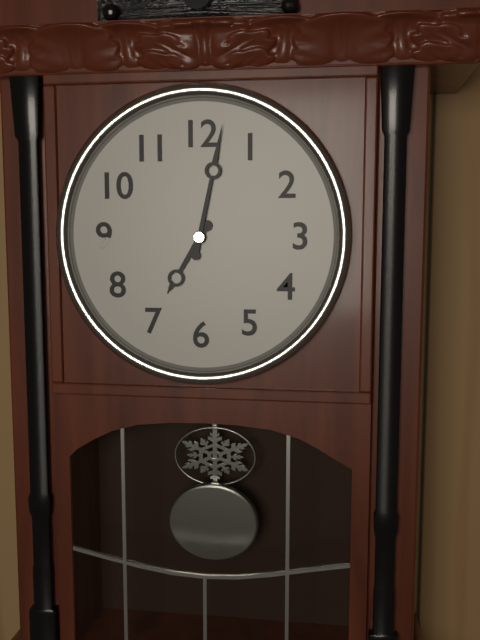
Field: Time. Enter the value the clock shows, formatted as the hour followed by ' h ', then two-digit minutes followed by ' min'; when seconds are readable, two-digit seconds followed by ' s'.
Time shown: 7 h 02 min
